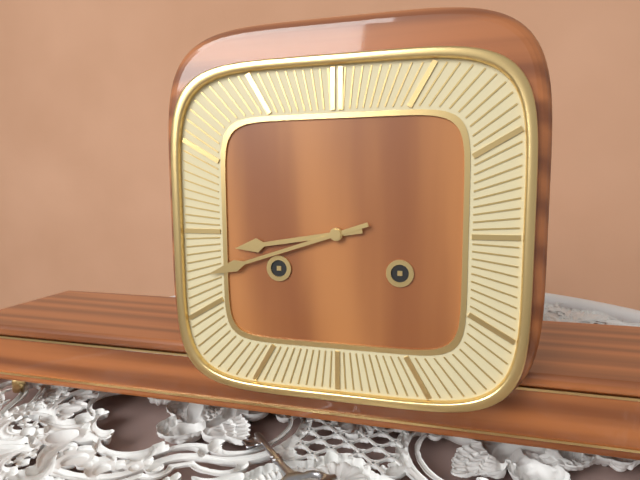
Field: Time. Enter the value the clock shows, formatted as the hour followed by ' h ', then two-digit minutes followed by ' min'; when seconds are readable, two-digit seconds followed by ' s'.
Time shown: 8 h 42 min
